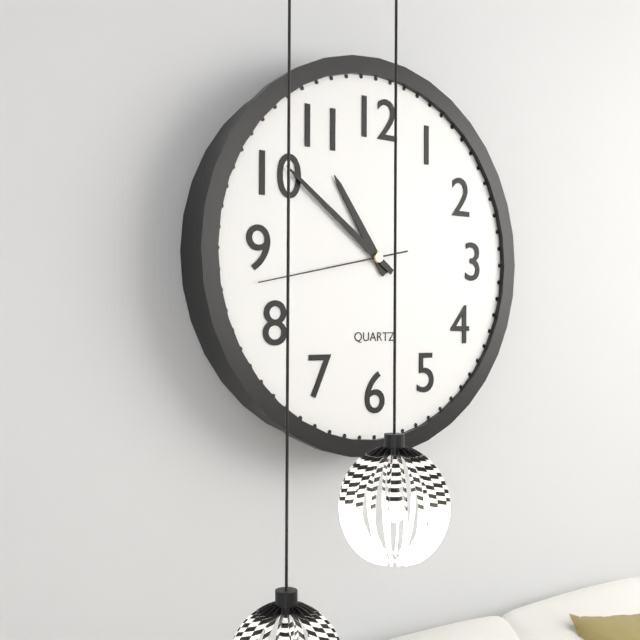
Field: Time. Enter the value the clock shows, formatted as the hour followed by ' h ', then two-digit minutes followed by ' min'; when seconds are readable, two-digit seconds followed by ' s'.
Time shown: 10 h 51 min 43 s
